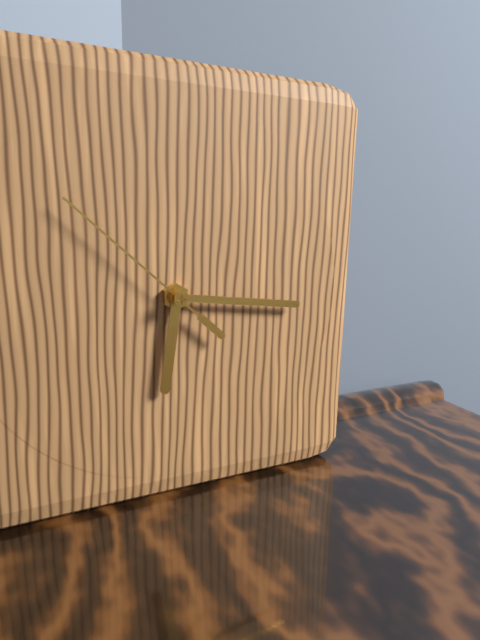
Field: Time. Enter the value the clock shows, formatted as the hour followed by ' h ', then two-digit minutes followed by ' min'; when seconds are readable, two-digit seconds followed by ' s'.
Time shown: 6 h 16 min 52 s
